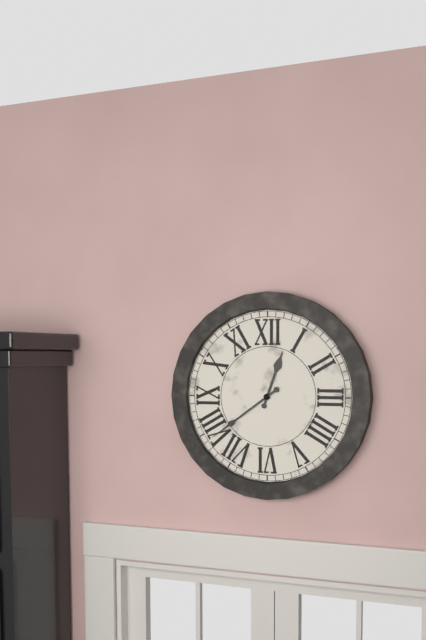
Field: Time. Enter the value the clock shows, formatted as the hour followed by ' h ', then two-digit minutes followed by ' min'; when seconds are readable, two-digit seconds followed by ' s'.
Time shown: 12 h 39 min
